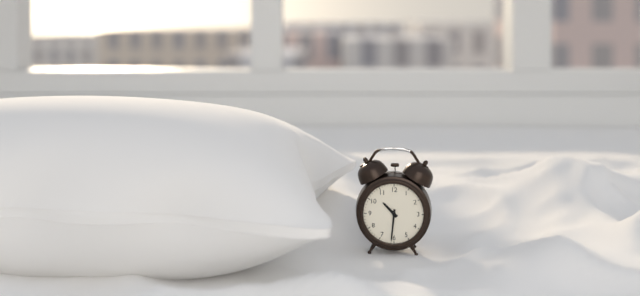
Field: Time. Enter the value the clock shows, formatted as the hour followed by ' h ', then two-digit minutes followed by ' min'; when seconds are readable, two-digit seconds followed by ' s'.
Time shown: 10 h 31 min
